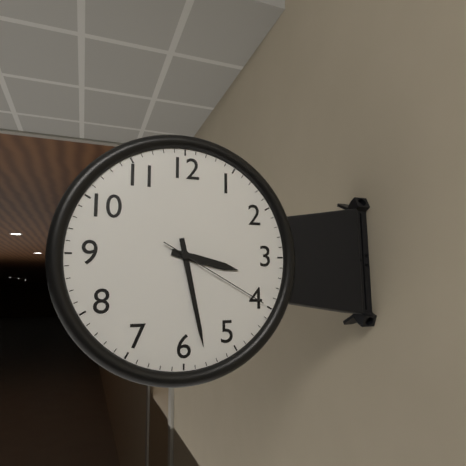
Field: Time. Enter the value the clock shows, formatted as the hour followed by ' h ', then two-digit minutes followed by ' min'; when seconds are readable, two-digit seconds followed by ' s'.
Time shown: 3 h 28 min 20 s
